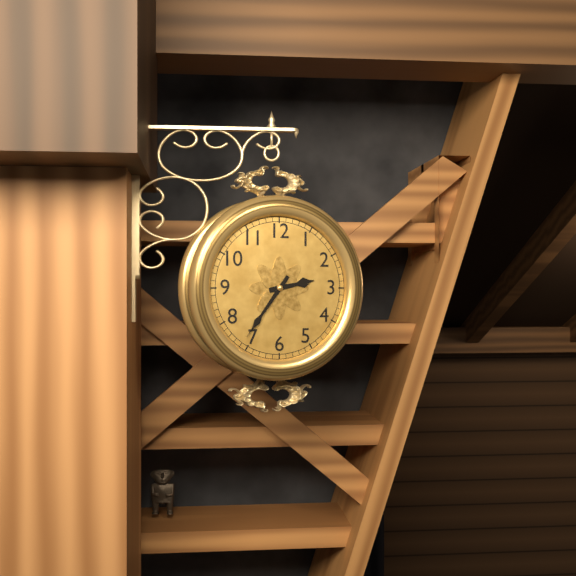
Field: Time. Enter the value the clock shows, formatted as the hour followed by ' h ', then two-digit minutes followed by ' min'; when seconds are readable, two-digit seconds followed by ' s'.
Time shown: 2 h 36 min
